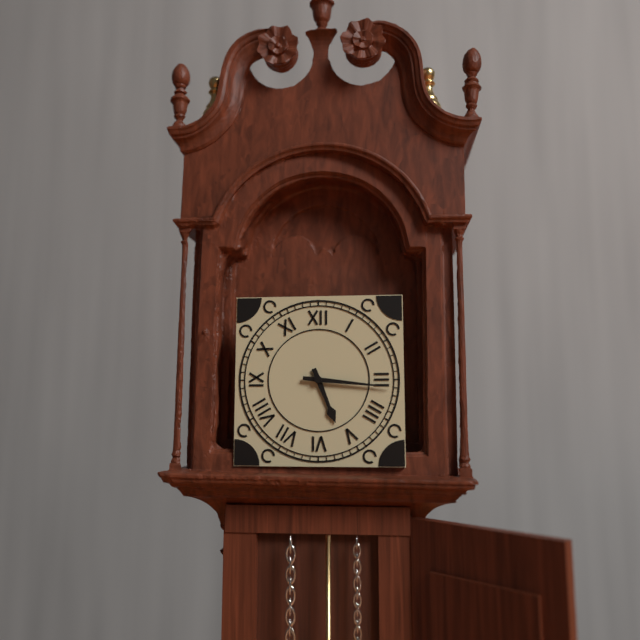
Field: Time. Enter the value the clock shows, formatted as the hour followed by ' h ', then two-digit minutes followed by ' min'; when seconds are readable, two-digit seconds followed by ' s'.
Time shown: 5 h 16 min
